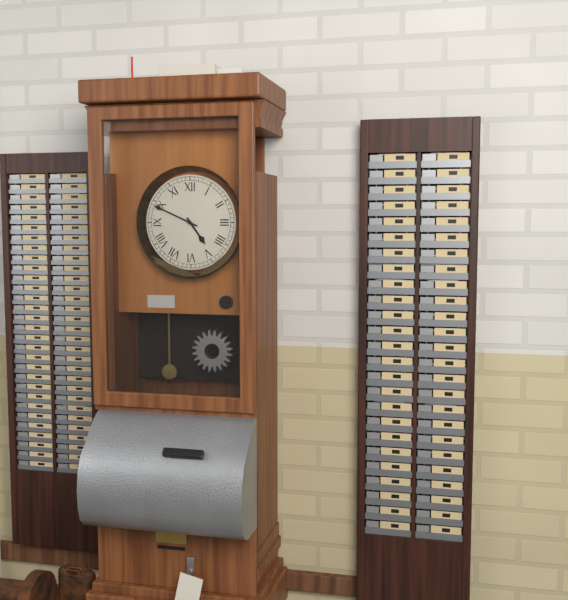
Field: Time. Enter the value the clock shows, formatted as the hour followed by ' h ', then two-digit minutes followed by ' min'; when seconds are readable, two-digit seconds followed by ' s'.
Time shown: 4 h 49 min
